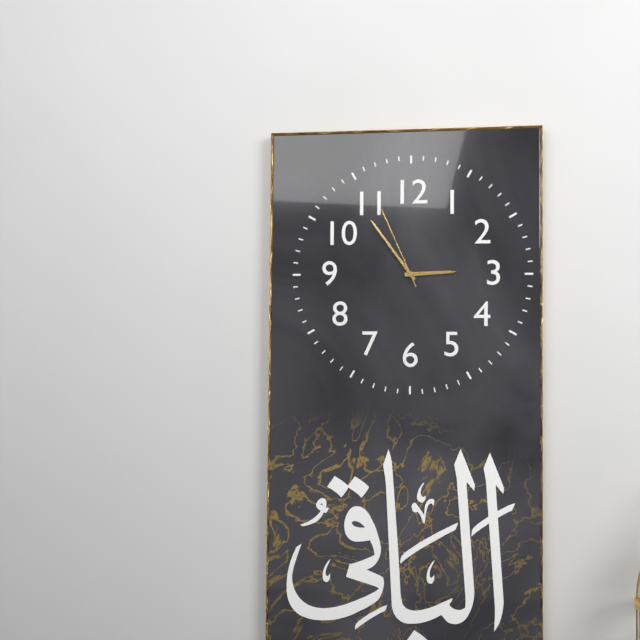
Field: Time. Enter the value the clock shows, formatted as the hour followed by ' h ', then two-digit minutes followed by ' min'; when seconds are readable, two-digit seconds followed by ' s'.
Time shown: 2 h 54 min 56 s
